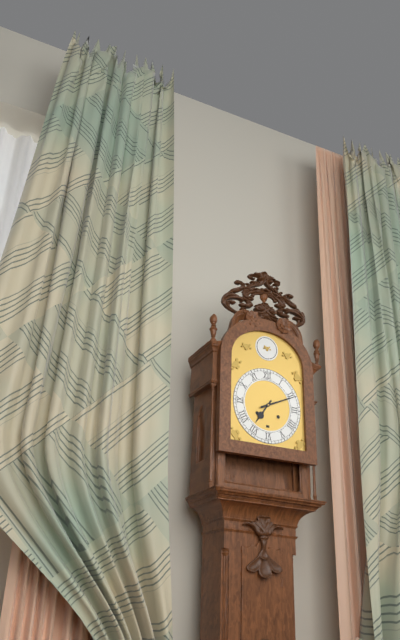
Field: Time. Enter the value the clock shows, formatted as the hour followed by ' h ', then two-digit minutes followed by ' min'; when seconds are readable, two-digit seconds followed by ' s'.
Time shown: 7 h 11 min
